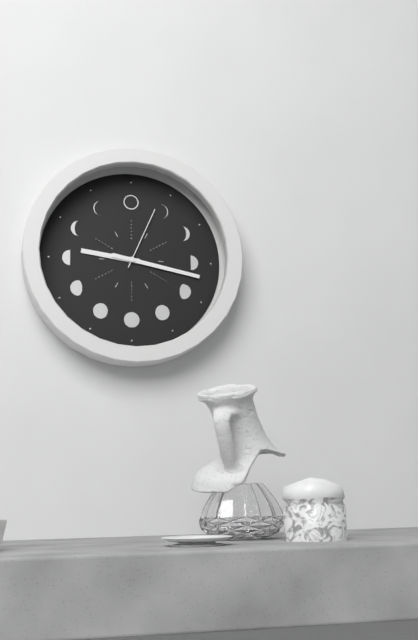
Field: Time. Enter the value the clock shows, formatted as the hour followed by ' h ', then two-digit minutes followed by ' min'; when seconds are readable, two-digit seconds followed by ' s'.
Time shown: 9 h 17 min 04 s
